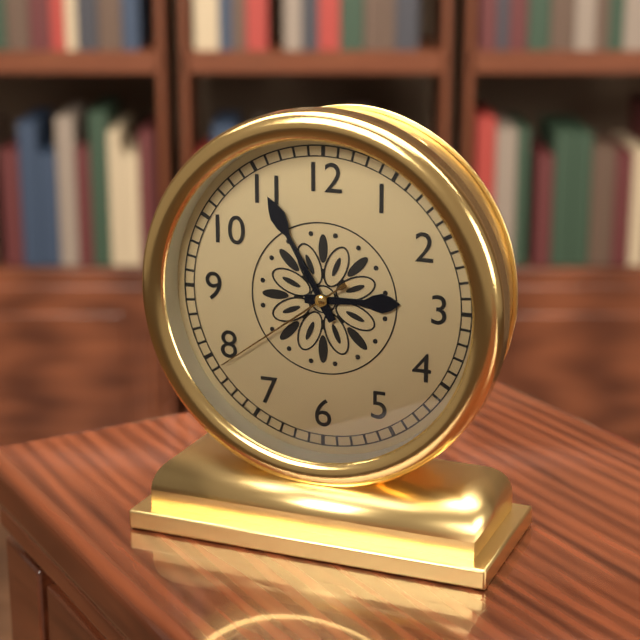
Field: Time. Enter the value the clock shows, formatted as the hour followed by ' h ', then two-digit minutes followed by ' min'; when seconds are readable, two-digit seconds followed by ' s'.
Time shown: 2 h 55 min 39 s
